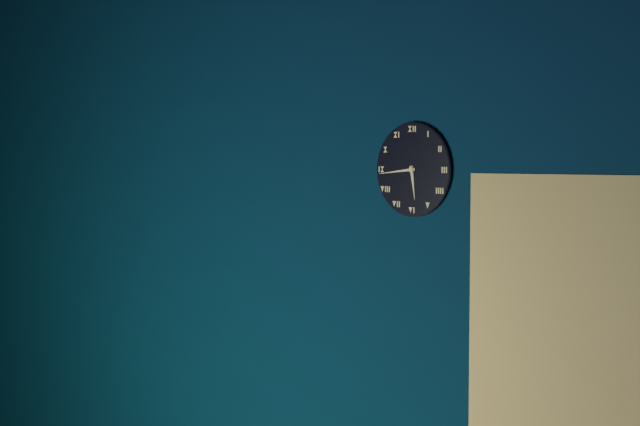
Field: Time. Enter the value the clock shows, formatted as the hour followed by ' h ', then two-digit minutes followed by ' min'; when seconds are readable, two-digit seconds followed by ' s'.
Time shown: 5 h 44 min
